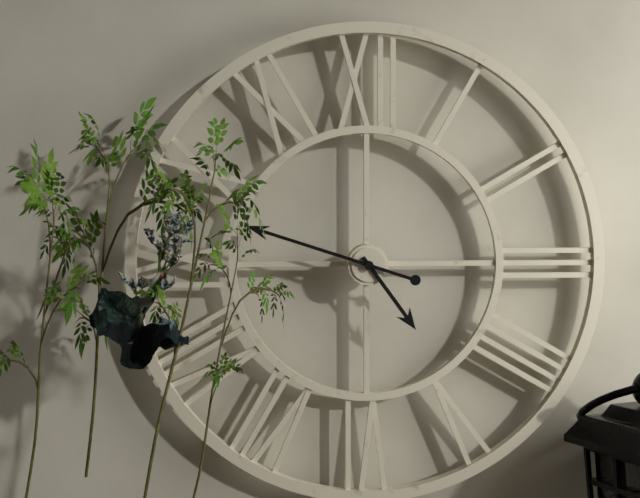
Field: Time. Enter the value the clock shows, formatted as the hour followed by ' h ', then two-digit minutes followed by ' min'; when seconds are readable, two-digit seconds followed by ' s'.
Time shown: 4 h 48 min
